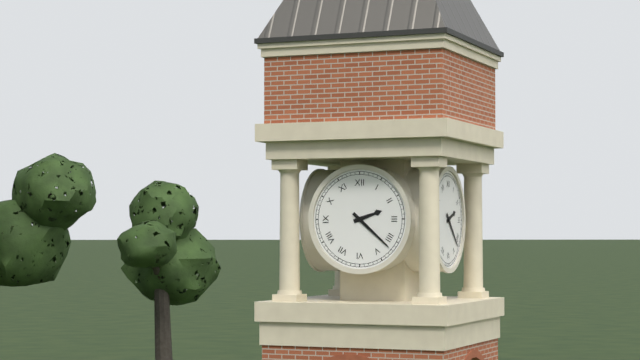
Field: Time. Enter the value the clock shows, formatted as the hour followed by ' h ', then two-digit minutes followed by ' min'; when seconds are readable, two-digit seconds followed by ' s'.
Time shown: 2 h 22 min
